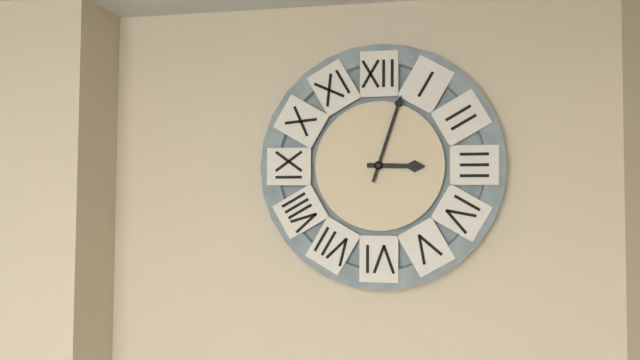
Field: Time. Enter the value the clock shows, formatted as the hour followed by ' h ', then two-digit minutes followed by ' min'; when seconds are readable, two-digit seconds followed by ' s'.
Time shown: 3 h 03 min
